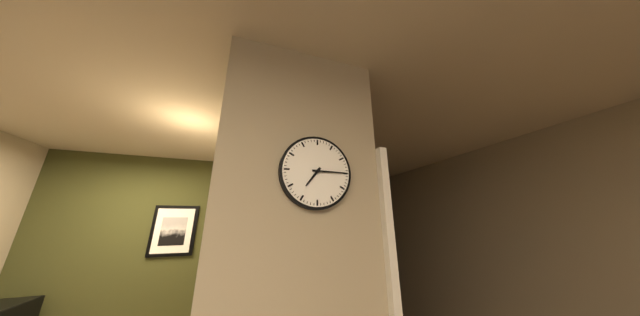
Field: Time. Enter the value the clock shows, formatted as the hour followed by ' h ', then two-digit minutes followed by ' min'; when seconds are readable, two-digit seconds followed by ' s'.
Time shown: 7 h 15 min
